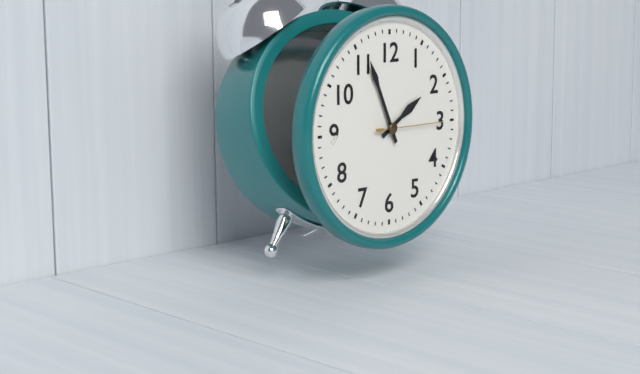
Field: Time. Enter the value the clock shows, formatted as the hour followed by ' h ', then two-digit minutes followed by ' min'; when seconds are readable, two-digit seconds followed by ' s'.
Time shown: 1 h 56 min 15 s
